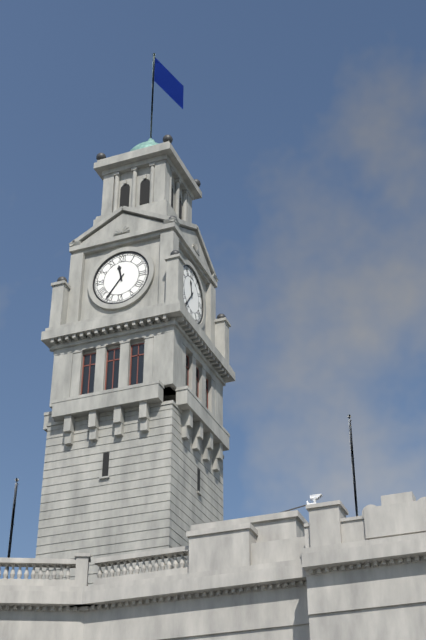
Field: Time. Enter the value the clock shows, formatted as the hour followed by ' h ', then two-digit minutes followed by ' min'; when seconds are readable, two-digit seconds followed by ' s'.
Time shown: 11 h 36 min
